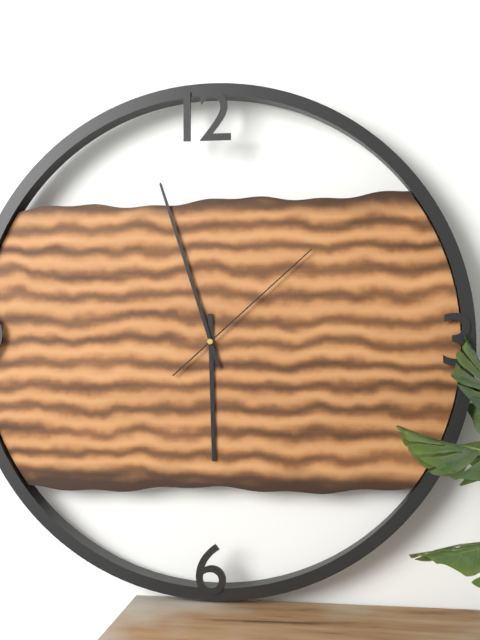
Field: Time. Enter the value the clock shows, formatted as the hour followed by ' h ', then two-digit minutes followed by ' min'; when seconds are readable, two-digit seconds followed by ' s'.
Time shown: 5 h 57 min 08 s
